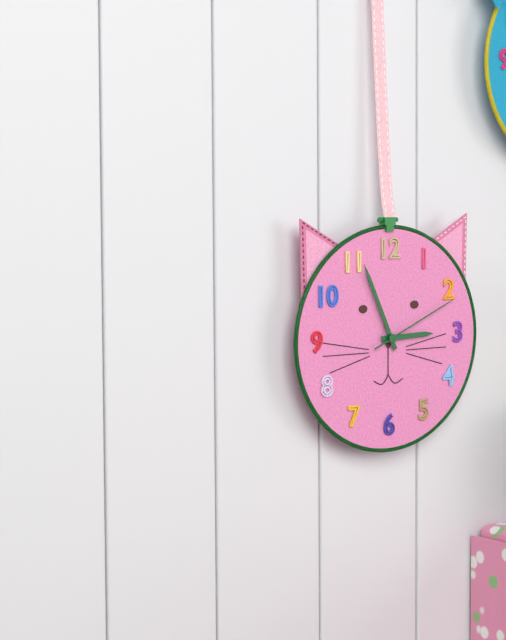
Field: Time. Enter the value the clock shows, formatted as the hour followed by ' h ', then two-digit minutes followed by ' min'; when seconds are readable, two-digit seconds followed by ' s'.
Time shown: 2 h 56 min 11 s
